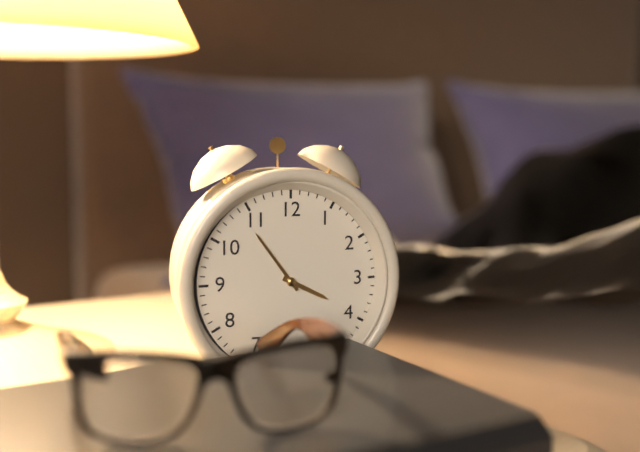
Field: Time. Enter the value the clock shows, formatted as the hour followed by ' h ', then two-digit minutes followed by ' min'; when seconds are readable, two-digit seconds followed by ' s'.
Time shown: 3 h 54 min
